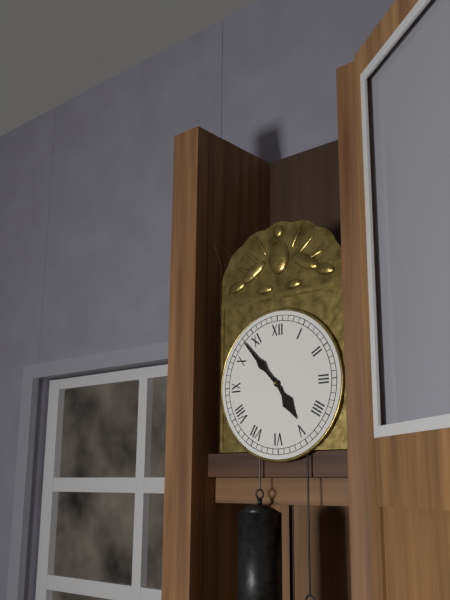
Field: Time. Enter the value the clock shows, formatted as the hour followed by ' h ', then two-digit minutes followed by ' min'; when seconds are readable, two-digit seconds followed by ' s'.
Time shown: 4 h 53 min
